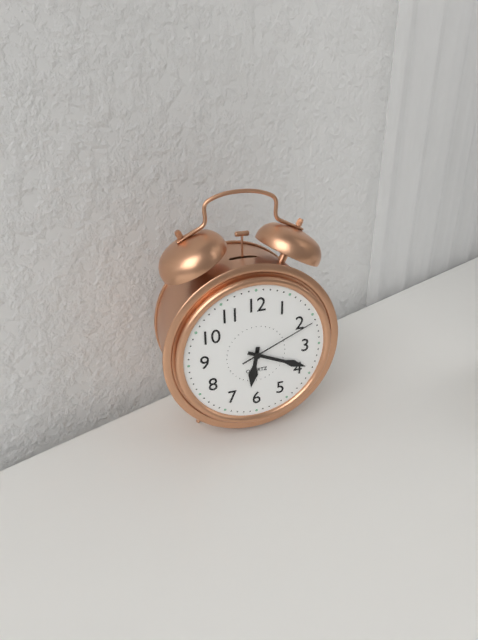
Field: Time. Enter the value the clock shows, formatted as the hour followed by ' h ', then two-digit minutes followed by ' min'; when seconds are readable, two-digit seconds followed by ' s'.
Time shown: 6 h 19 min 11 s
